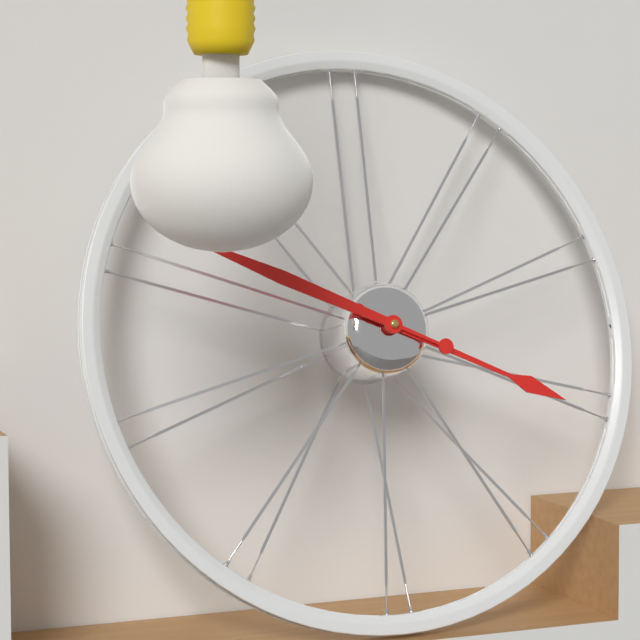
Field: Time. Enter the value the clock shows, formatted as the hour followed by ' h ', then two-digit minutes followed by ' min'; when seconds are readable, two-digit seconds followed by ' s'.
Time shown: 3 h 49 min
